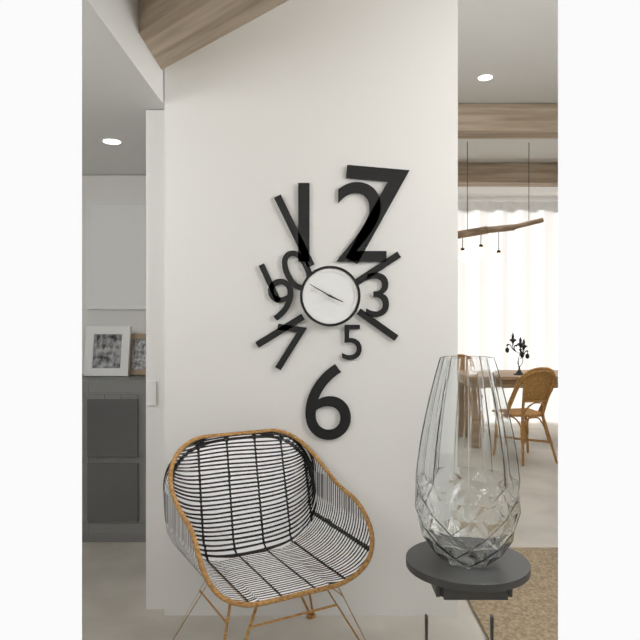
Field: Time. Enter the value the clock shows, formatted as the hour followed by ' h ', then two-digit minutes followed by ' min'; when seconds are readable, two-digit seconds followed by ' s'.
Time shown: 3 h 50 min
